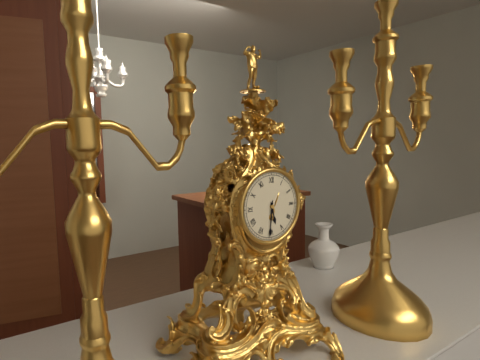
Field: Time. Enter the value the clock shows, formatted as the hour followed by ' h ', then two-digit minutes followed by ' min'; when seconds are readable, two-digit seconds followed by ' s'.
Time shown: 5 h 31 min
